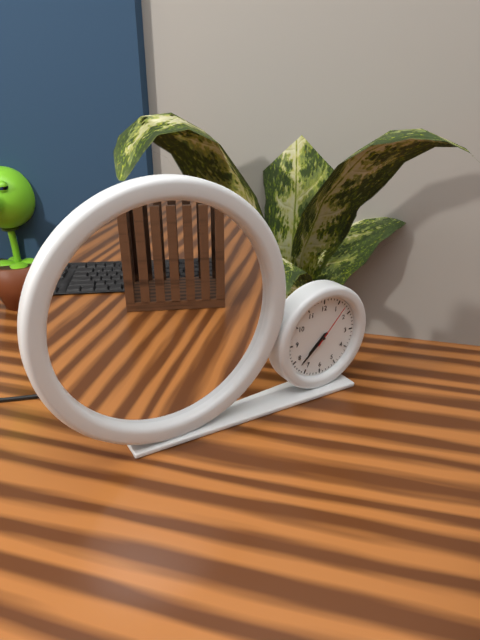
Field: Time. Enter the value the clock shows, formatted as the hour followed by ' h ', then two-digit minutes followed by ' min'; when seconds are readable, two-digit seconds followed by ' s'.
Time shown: 7 h 38 min
